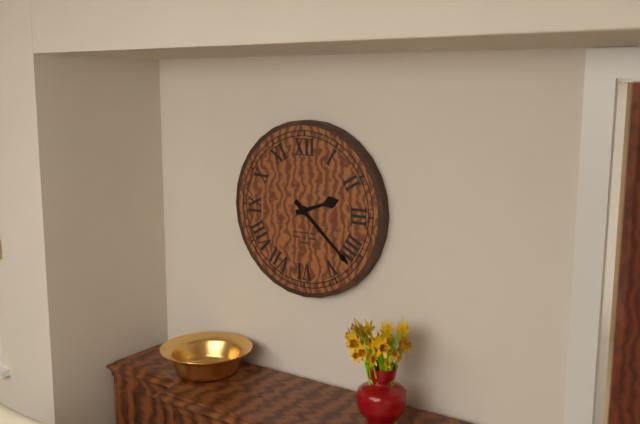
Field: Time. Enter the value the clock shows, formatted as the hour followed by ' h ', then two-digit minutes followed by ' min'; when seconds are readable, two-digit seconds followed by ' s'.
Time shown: 2 h 22 min
